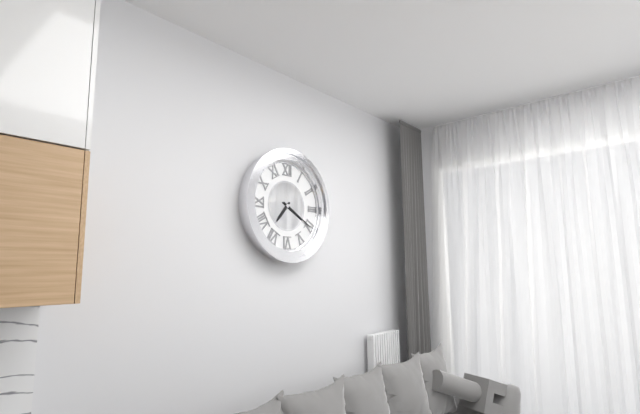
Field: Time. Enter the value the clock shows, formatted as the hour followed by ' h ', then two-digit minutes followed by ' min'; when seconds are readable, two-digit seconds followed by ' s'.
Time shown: 7 h 20 min
